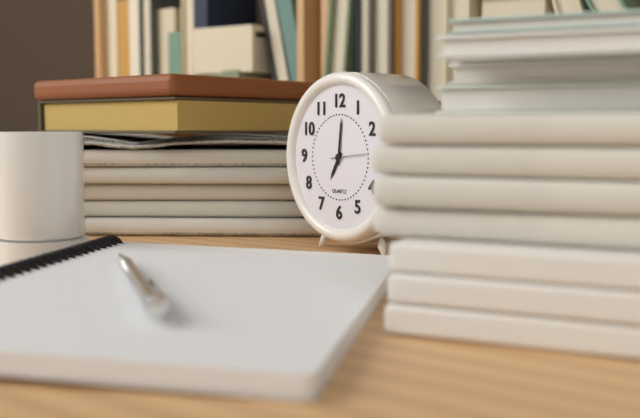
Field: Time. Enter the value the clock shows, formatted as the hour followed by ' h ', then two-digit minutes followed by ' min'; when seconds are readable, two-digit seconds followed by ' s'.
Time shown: 7 h 01 min
